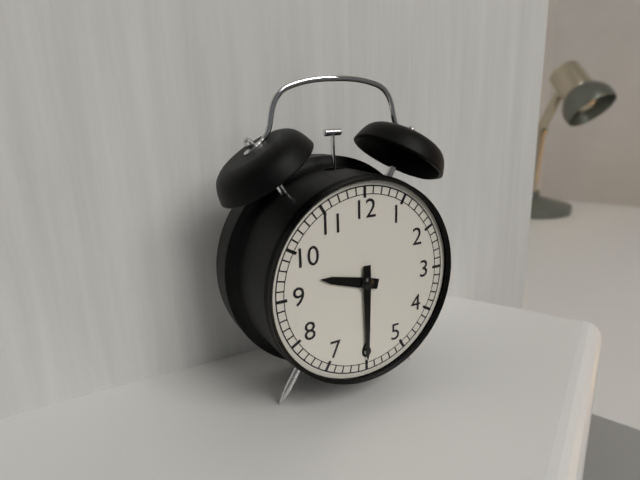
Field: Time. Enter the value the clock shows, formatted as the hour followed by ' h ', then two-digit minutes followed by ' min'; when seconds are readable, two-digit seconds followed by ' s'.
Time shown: 9 h 30 min
